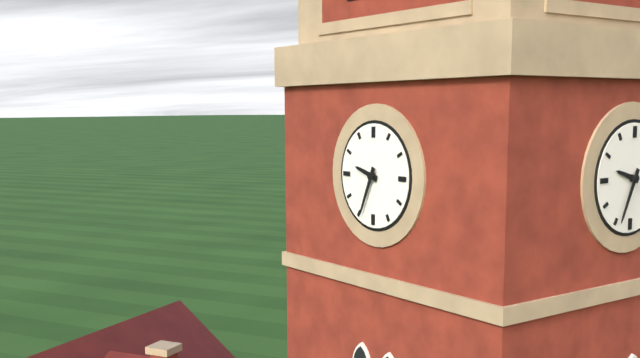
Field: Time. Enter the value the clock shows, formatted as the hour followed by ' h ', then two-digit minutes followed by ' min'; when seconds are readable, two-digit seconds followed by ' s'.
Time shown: 9 h 34 min
